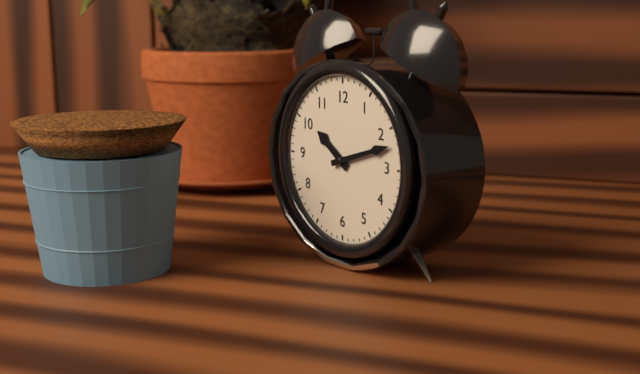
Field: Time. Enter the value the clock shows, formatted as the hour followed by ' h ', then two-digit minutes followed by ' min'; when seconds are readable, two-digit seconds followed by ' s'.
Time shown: 10 h 12 min
